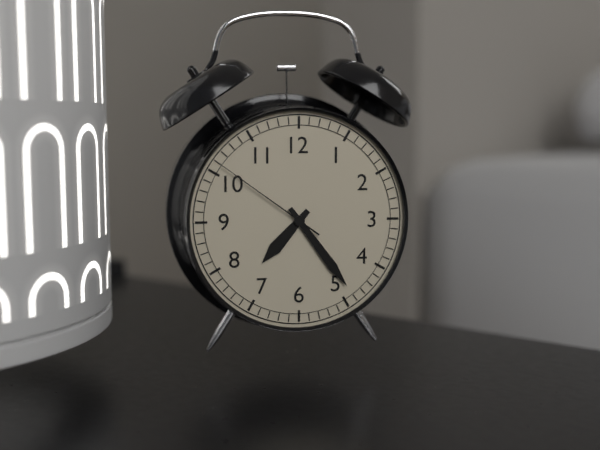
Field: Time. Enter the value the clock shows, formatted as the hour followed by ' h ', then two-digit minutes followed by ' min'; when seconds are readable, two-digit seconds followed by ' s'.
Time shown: 7 h 24 min 51 s
